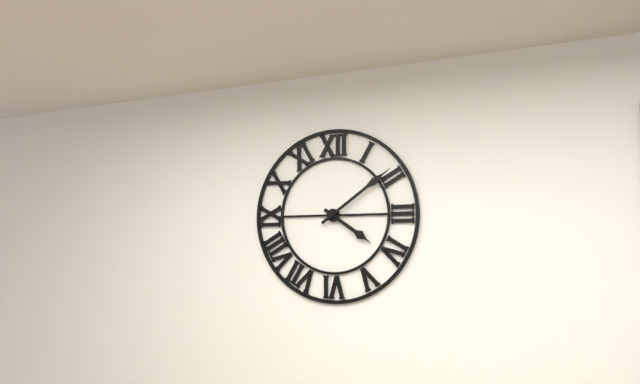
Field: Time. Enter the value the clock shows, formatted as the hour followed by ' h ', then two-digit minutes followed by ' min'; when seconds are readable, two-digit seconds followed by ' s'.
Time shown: 4 h 09 min
